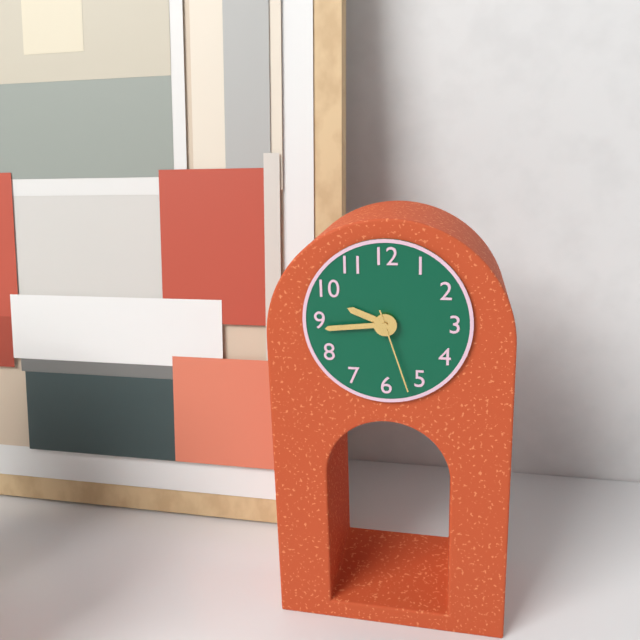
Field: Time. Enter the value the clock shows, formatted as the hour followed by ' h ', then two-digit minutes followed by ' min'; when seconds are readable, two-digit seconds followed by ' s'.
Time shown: 9 h 44 min 27 s
